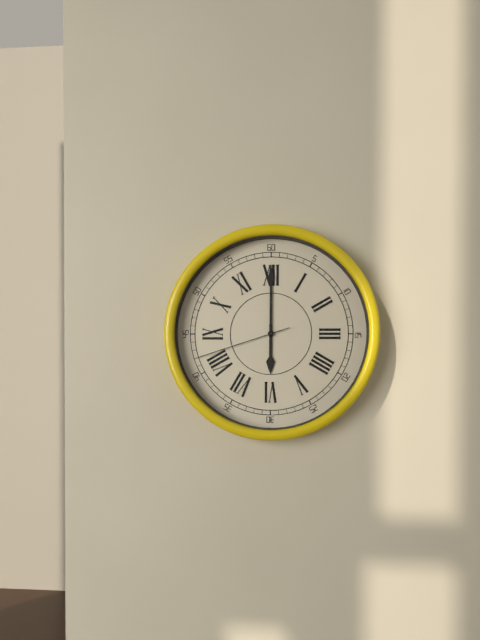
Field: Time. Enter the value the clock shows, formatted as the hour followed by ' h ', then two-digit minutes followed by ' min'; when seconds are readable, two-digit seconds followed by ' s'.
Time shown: 6 h 00 min 42 s
